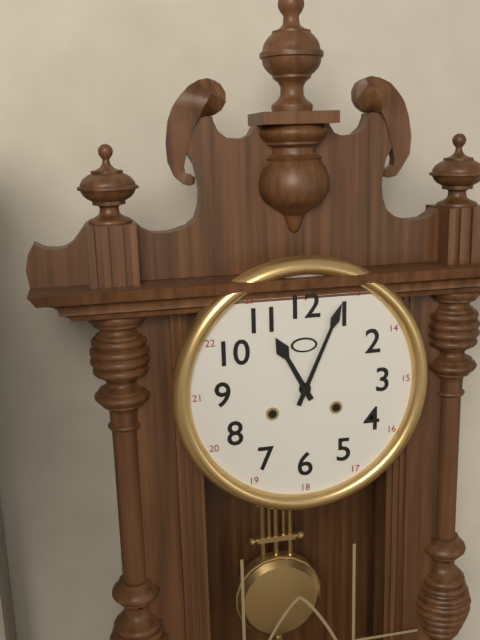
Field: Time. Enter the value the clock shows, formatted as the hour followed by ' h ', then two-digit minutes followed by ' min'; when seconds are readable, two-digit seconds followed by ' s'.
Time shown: 11 h 04 min
